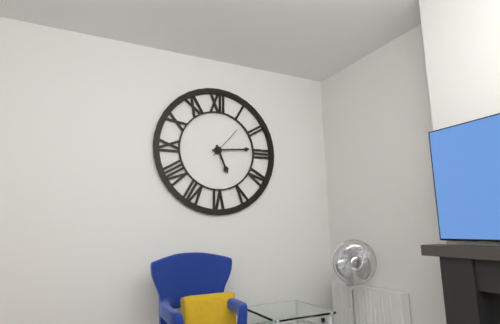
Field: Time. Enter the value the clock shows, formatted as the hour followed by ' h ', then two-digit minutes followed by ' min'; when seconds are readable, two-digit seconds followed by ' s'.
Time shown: 5 h 14 min
